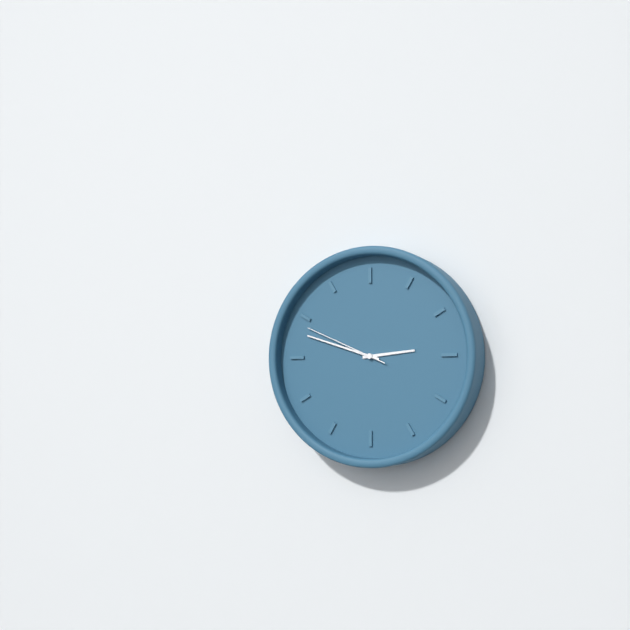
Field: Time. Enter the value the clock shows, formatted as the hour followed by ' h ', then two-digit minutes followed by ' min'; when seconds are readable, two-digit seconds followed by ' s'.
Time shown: 2 h 48 min 49 s
